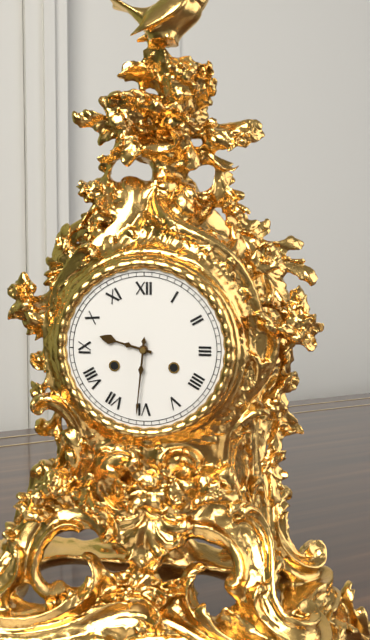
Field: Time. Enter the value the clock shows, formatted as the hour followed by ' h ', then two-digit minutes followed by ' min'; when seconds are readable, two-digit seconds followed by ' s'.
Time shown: 9 h 31 min
